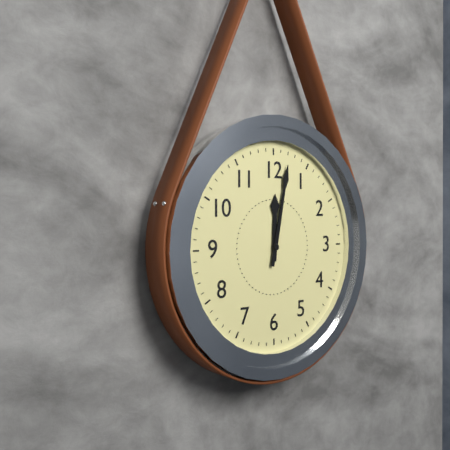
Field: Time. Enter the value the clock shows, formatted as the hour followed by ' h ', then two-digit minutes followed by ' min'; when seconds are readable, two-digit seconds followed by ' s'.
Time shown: 12 h 02 min
